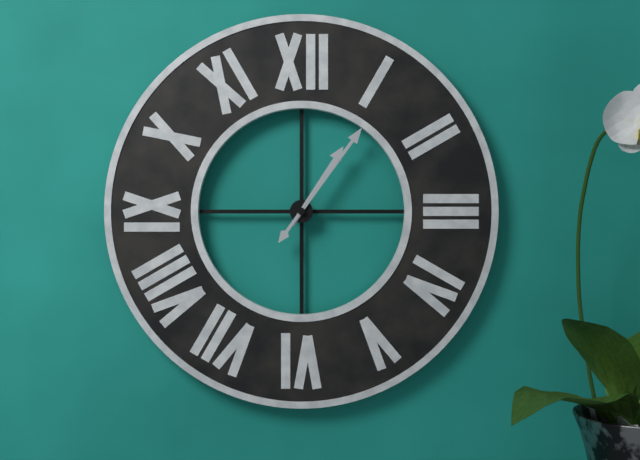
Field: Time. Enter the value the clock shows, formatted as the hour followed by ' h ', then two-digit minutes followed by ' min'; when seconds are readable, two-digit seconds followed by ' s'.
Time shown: 1 h 06 min
